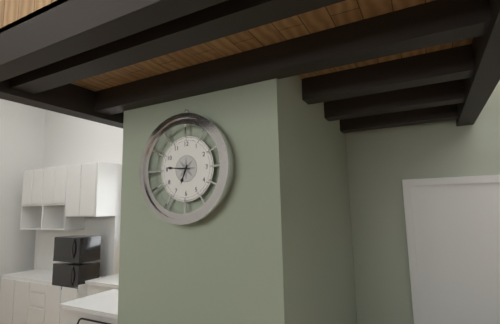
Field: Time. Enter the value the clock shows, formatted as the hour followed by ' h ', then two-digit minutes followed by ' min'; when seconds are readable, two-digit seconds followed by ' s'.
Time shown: 6 h 46 min
